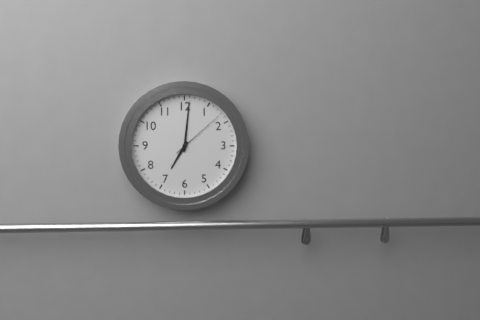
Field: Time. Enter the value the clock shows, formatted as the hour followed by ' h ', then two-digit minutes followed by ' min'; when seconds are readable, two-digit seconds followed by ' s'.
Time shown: 7 h 01 min 08 s
